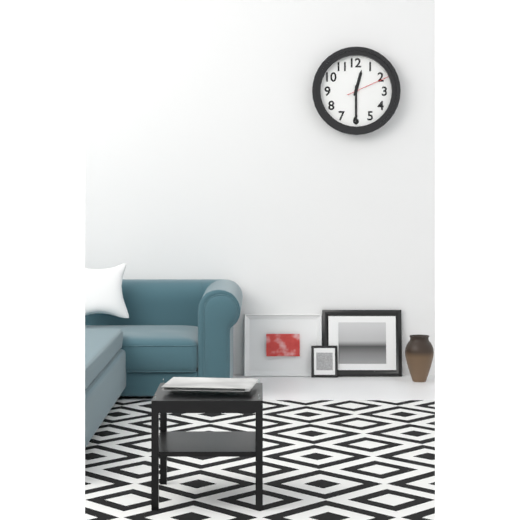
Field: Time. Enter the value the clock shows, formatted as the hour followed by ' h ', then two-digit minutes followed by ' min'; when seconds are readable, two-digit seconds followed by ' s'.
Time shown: 12 h 30 min
